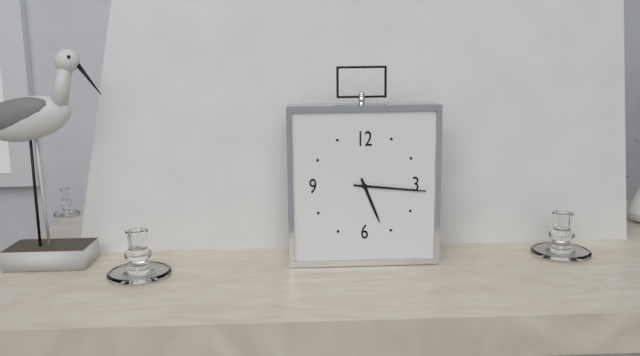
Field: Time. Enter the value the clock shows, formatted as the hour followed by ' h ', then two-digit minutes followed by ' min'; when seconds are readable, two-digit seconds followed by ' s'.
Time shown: 5 h 16 min
